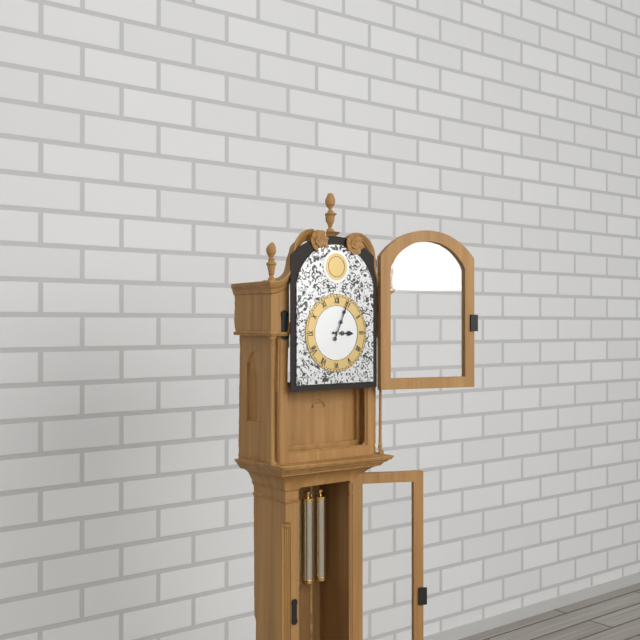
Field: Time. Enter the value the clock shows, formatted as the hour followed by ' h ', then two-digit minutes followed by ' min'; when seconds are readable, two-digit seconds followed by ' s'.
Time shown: 3 h 04 min
